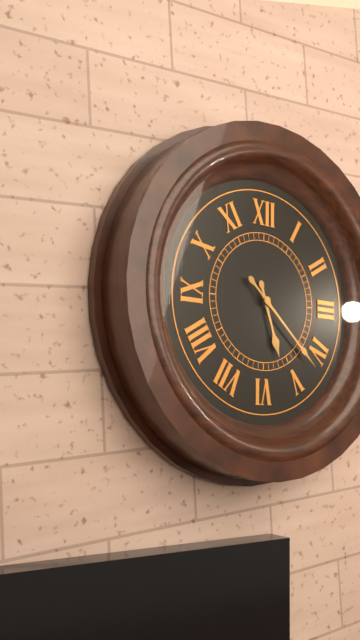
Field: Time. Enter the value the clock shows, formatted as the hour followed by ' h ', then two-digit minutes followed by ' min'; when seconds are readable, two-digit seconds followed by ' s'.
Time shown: 5 h 22 min
